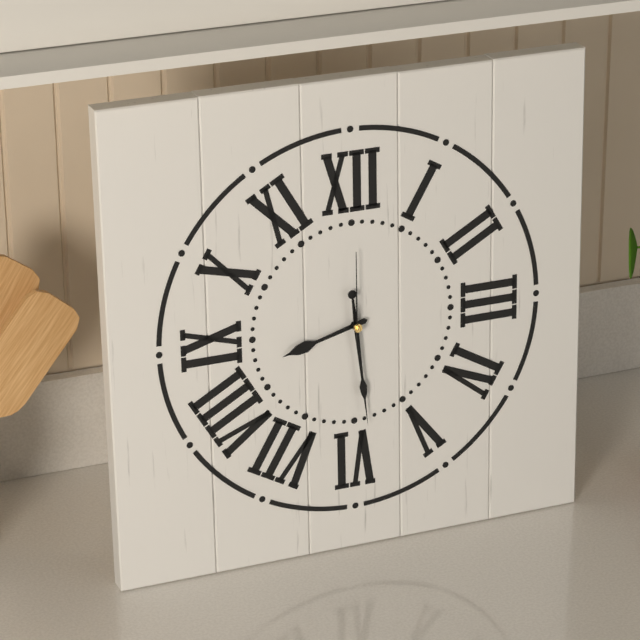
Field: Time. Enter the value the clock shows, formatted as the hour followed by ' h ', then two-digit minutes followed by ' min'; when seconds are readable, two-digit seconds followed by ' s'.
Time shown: 8 h 29 min 00 s
